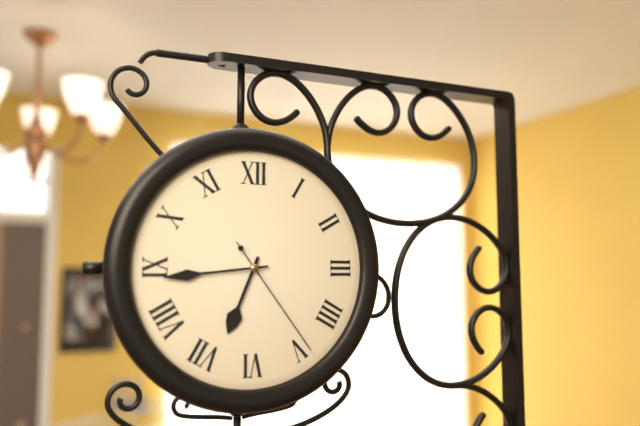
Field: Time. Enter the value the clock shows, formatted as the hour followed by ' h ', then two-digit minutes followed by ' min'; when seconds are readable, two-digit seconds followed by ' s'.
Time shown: 6 h 44 min 24 s
